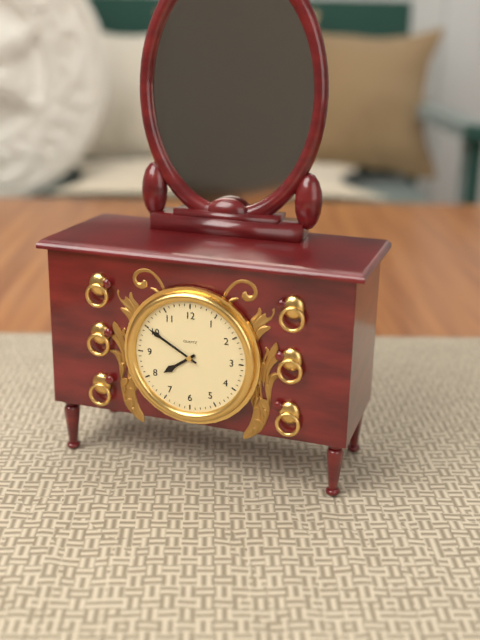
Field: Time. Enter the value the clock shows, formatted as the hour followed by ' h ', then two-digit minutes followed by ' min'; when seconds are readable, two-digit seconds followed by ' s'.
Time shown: 7 h 50 min
